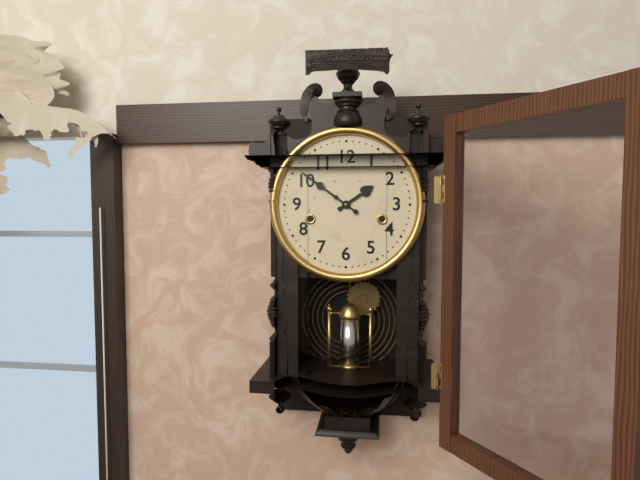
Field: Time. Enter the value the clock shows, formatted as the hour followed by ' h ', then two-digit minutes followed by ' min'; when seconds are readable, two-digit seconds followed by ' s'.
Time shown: 1 h 51 min
